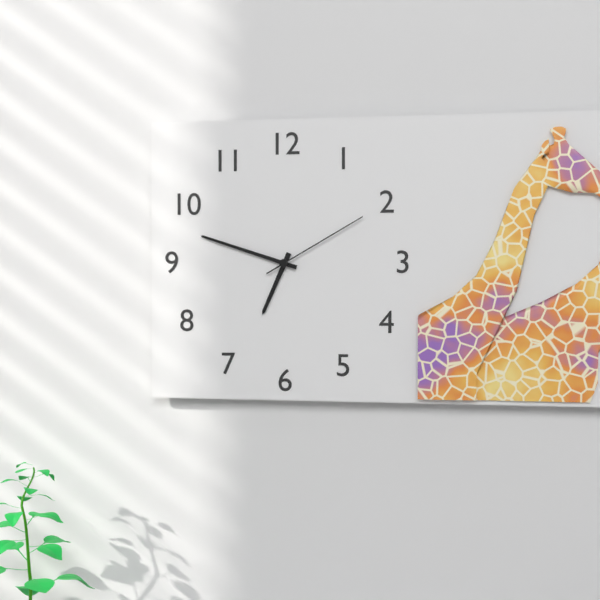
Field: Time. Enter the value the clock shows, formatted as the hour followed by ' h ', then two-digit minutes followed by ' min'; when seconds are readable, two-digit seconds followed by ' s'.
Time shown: 6 h 48 min 10 s
